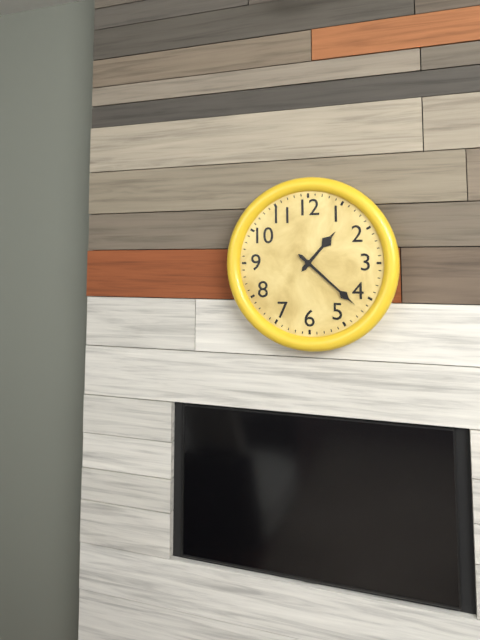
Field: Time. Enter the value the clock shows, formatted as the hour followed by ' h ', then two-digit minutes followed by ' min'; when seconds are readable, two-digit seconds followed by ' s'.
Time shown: 1 h 22 min
